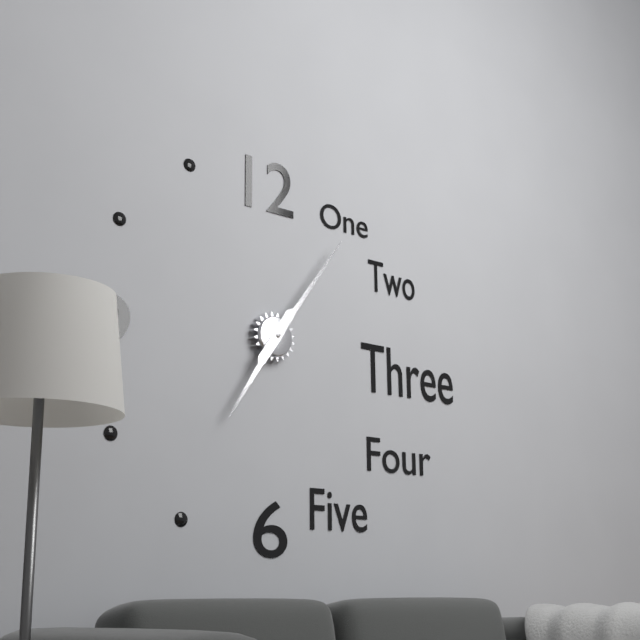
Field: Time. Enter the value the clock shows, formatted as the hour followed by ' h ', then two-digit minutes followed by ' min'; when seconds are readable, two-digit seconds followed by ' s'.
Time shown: 7 h 06 min
